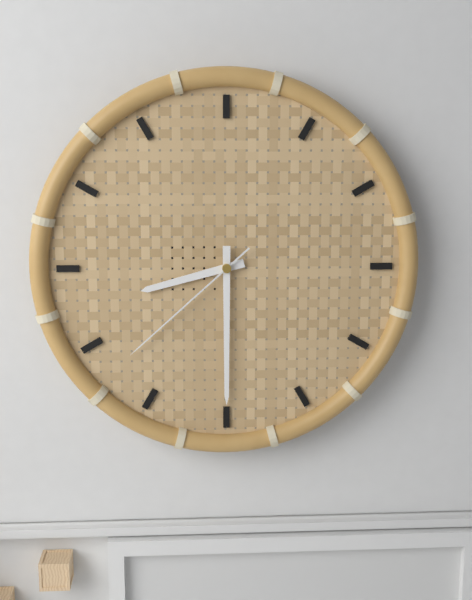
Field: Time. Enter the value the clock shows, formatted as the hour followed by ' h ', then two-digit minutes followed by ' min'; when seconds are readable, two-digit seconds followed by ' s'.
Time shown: 8 h 30 min 38 s
